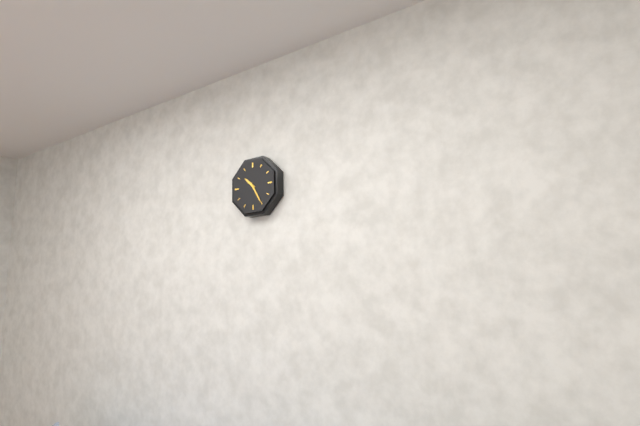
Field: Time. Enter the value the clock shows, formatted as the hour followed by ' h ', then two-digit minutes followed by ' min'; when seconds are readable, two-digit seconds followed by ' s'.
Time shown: 10 h 25 min
